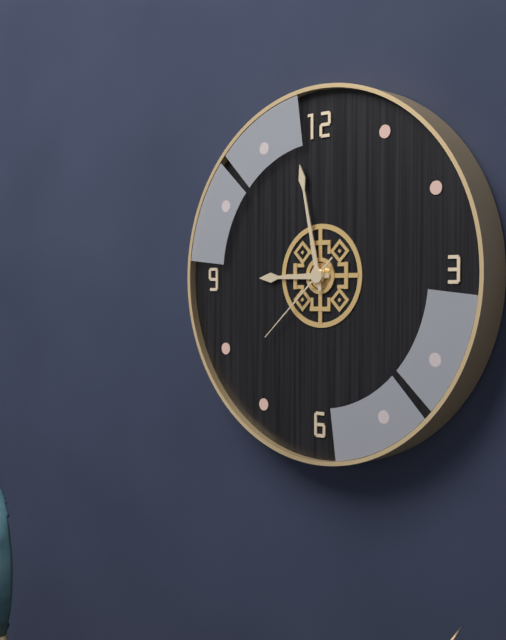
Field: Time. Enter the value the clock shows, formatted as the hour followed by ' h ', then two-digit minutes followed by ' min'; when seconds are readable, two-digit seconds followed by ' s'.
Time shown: 8 h 58 min 38 s
